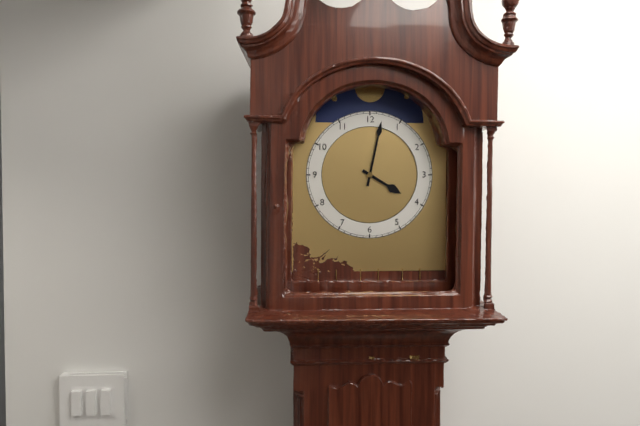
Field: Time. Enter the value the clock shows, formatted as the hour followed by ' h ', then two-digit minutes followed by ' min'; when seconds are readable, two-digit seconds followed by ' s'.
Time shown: 4 h 02 min
